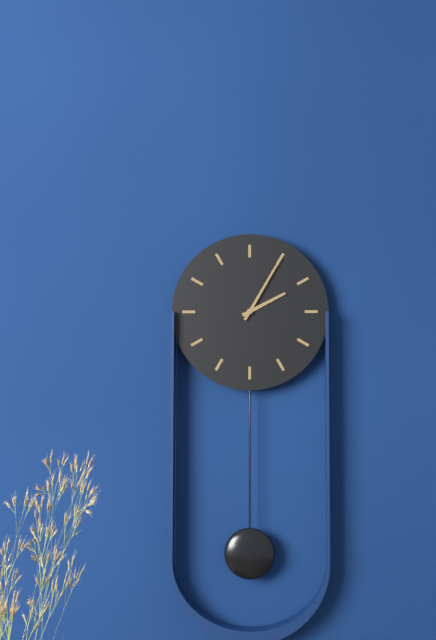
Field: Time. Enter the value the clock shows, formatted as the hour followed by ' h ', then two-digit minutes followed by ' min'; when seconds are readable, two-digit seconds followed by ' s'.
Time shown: 2 h 05 min
